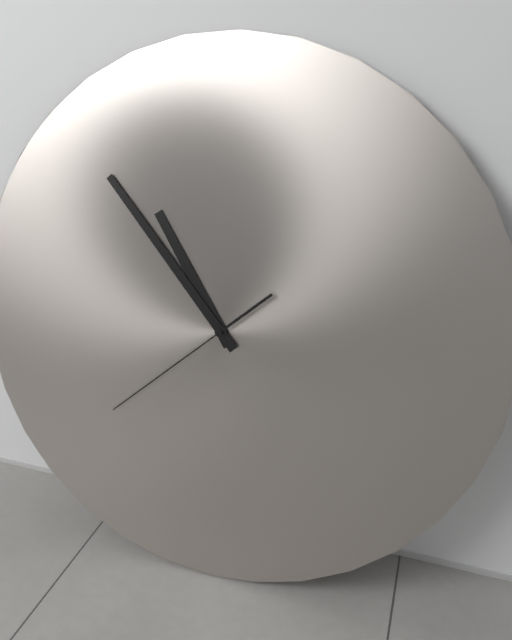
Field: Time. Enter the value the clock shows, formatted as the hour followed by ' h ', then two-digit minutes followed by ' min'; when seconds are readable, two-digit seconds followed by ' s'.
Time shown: 10 h 53 min 38 s
